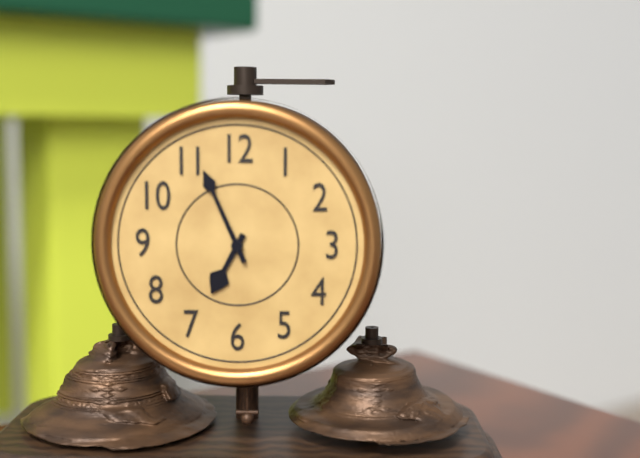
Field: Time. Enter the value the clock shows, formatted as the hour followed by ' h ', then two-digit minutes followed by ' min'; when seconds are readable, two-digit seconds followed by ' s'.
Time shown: 6 h 56 min
